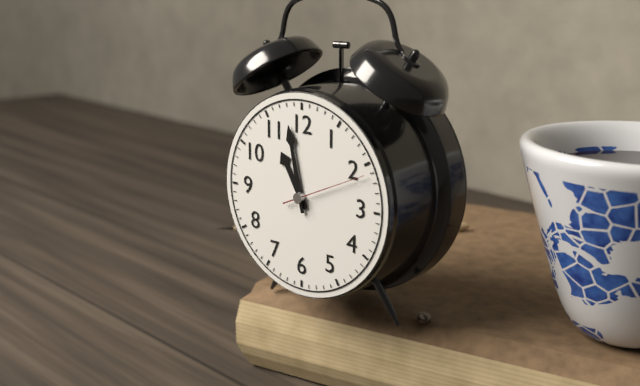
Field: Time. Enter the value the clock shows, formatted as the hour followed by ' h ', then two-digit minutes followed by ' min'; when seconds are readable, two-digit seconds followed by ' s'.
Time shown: 10 h 58 min 11 s
